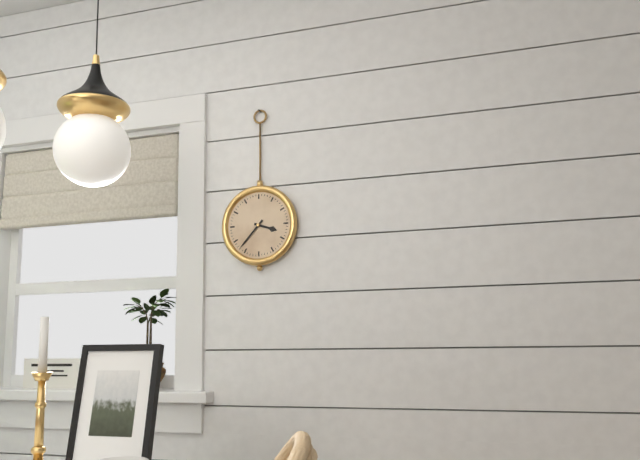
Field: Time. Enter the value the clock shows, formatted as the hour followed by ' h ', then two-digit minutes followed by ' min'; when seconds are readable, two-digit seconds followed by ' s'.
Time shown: 3 h 37 min
